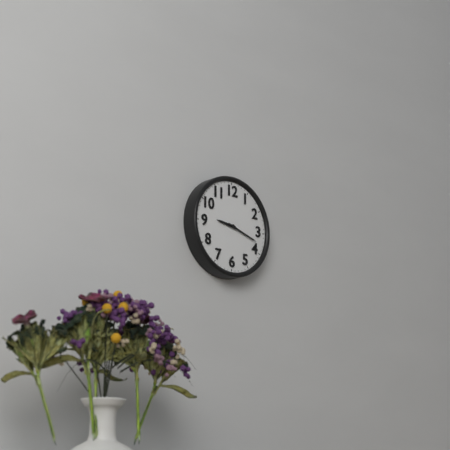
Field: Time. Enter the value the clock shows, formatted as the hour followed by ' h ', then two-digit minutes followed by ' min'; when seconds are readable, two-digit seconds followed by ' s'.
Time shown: 9 h 18 min
